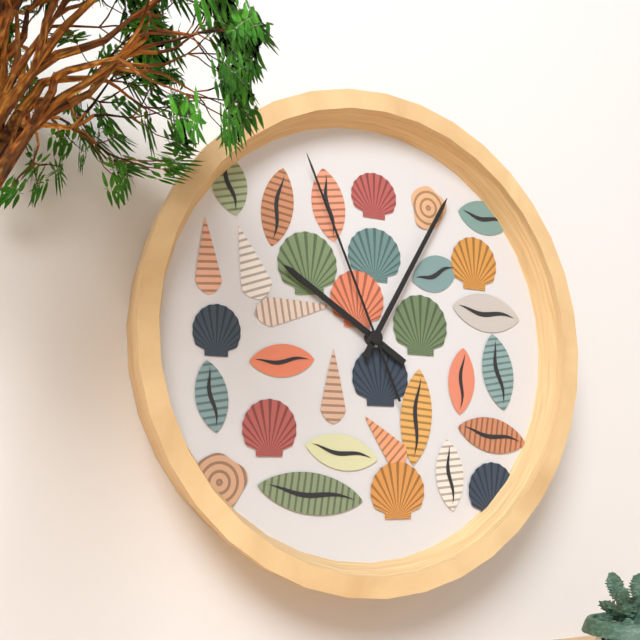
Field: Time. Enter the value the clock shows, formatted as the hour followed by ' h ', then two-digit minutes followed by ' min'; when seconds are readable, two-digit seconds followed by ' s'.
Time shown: 10 h 05 min 56 s
